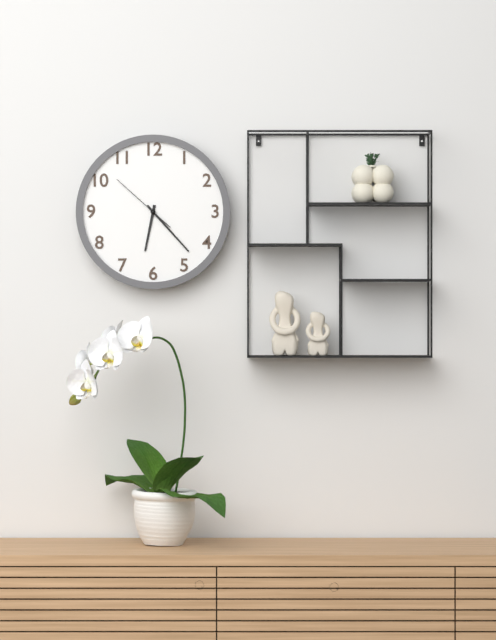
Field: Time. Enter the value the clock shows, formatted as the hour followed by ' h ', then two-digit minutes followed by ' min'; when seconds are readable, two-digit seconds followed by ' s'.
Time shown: 6 h 23 min 52 s
